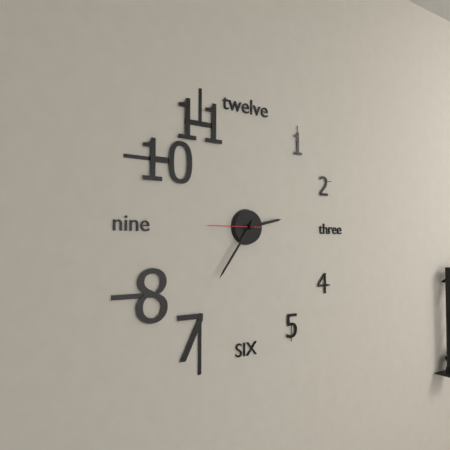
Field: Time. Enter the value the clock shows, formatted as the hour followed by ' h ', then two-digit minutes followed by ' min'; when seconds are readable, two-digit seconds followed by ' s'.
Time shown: 2 h 36 min 45 s
